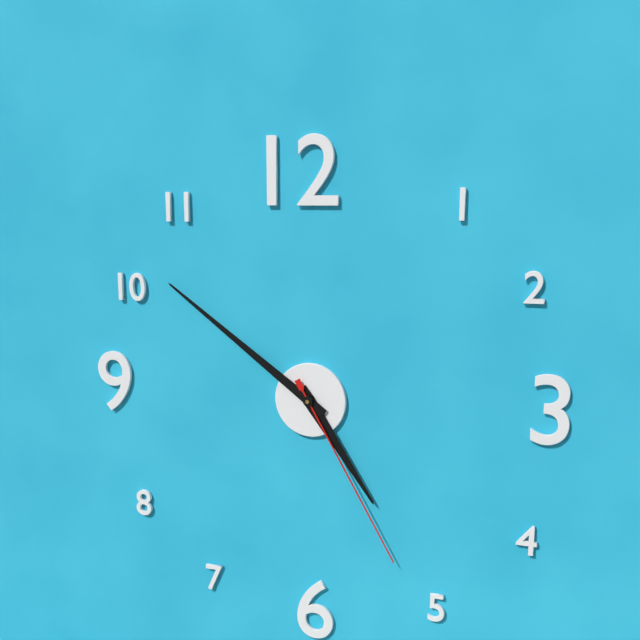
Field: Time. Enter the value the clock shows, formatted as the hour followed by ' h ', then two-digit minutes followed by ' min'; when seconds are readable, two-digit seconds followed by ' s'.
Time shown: 4 h 51 min 25 s
